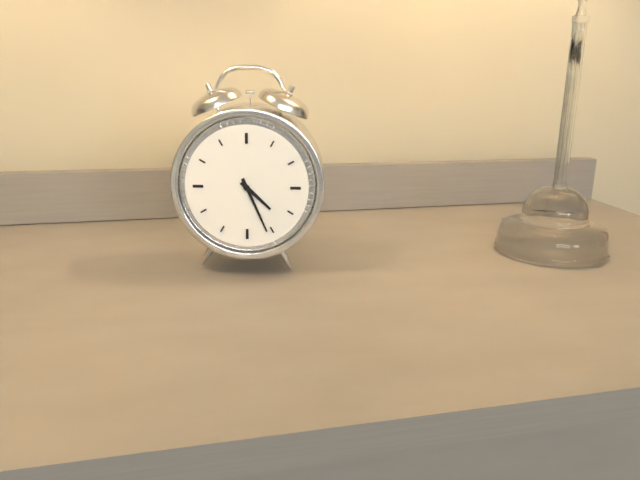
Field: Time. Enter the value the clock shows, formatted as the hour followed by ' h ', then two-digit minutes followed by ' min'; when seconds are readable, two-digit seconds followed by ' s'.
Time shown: 4 h 26 min
